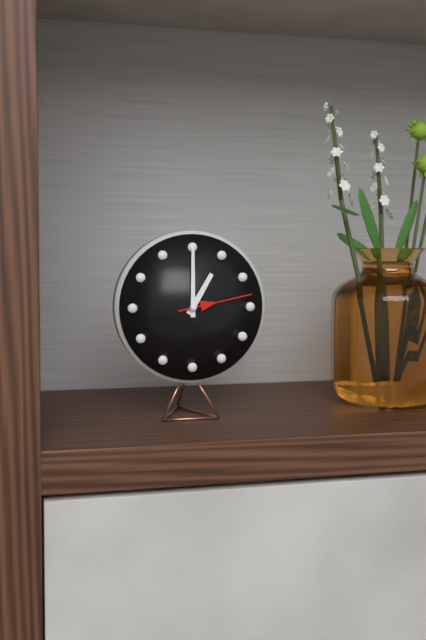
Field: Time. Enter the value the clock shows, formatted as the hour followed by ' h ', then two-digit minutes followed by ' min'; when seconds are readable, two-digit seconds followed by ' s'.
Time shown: 1 h 00 min 13 s
